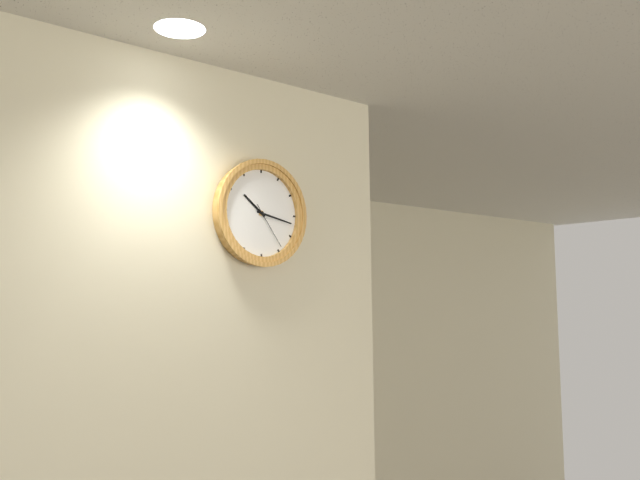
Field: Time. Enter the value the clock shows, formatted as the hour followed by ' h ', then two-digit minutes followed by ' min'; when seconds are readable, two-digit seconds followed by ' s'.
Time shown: 10 h 17 min
